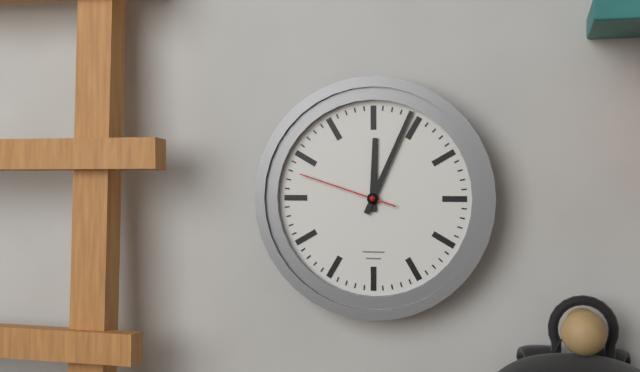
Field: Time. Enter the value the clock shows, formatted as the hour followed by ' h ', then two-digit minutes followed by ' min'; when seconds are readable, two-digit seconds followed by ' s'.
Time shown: 12 h 04 min 48 s
